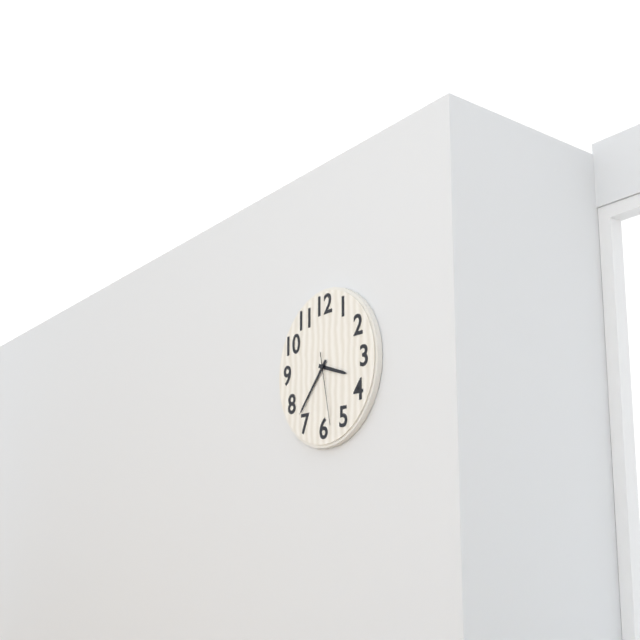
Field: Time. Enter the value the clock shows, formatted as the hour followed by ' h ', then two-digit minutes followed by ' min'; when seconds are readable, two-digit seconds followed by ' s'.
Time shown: 3 h 37 min 28 s
